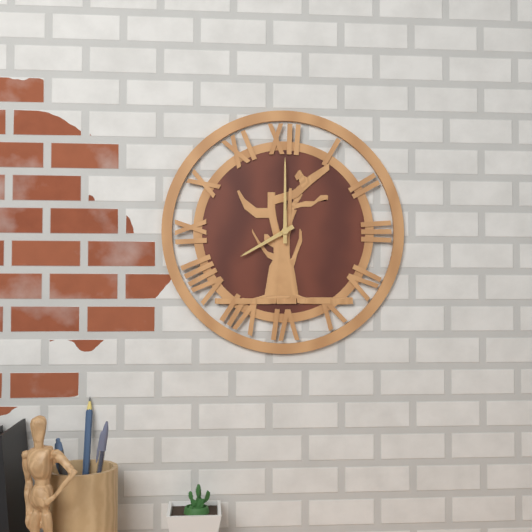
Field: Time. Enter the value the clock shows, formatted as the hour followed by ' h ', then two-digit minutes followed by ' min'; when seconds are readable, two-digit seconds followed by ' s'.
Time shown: 8 h 00 min
